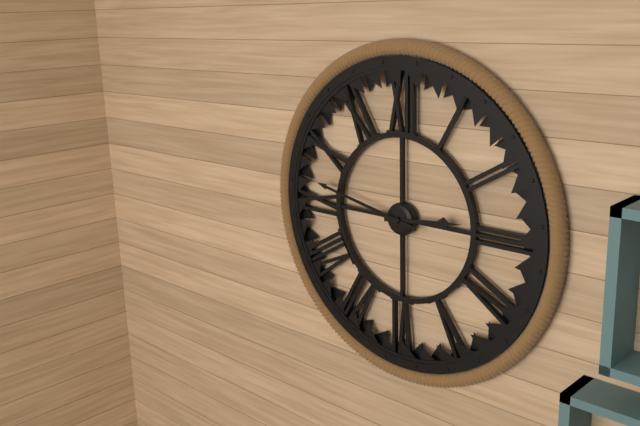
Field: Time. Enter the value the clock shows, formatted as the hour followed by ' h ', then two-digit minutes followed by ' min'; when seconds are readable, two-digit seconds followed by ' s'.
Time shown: 2 h 47 min
